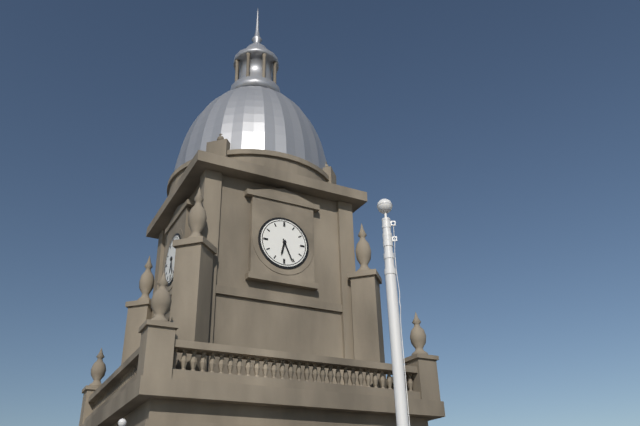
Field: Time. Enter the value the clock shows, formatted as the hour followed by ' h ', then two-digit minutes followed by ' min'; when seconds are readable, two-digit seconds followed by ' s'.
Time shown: 6 h 26 min
